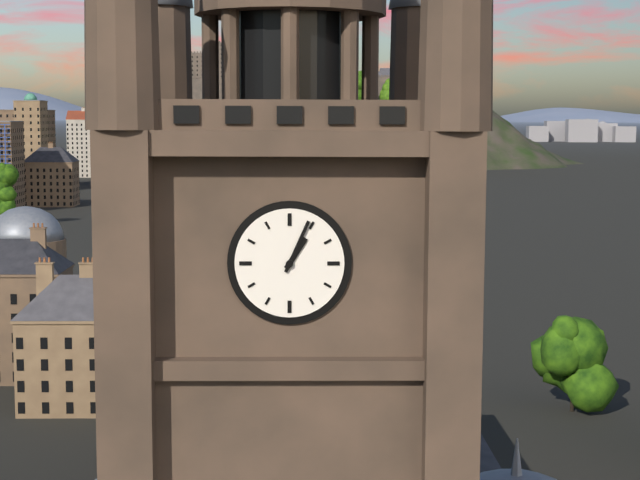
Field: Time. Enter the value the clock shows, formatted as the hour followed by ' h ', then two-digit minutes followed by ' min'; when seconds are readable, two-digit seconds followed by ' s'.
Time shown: 1 h 04 min
